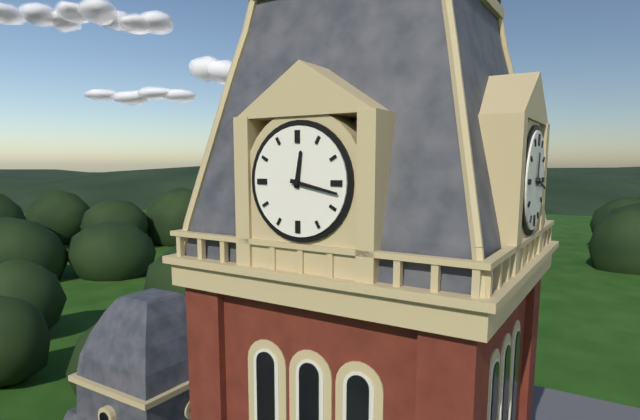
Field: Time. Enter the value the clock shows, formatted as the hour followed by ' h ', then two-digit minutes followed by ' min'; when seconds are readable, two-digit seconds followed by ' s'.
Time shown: 12 h 17 min
